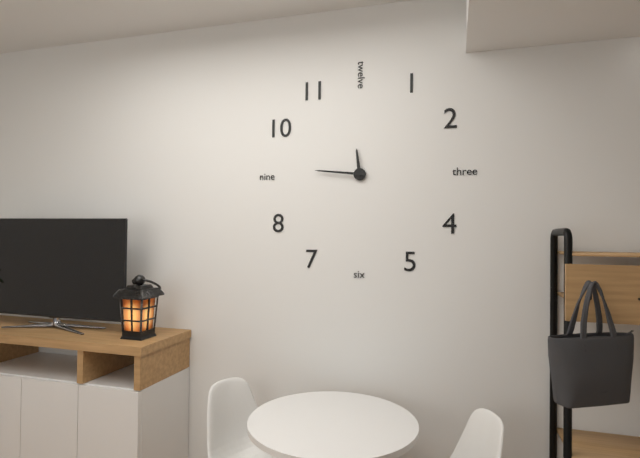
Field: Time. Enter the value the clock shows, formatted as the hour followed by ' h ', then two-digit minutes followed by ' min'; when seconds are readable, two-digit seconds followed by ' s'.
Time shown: 11 h 46 min
